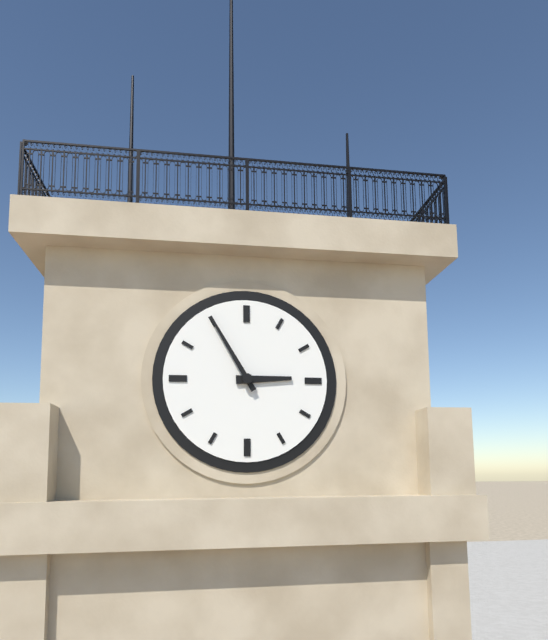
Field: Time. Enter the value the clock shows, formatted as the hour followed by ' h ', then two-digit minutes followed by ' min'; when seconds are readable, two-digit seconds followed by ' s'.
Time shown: 2 h 55 min
